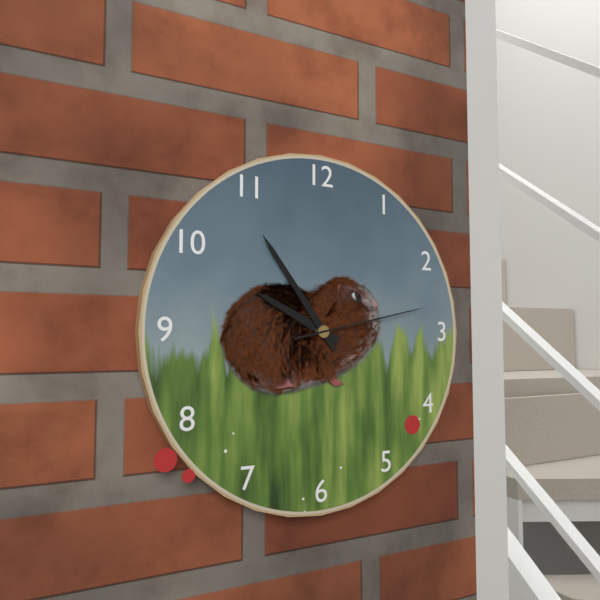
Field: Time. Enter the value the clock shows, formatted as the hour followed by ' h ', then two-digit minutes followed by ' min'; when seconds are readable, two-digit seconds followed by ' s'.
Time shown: 9 h 54 min 13 s
